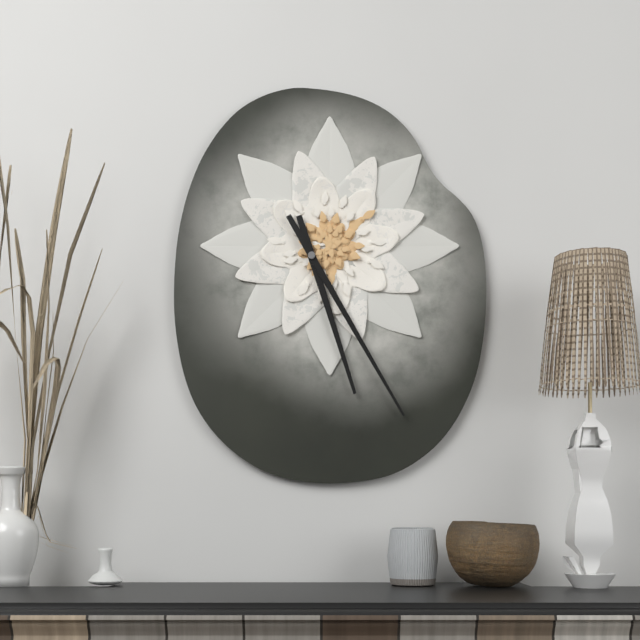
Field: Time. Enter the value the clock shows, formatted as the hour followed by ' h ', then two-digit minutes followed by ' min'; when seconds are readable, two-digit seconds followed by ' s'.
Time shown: 5 h 25 min
